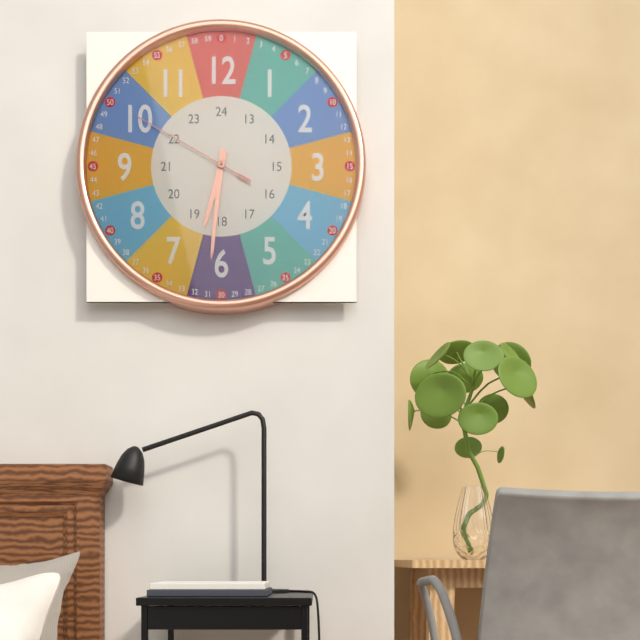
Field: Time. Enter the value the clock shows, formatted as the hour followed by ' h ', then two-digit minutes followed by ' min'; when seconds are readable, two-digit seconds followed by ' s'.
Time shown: 6 h 31 min 50 s
